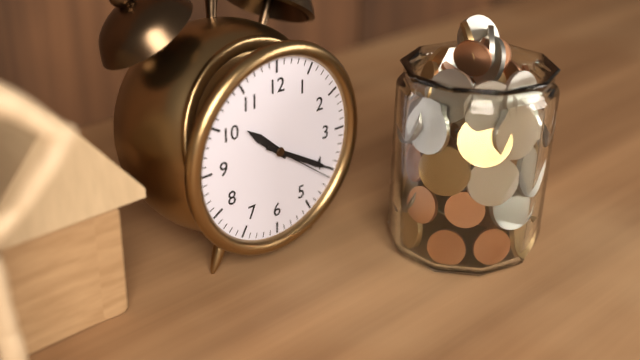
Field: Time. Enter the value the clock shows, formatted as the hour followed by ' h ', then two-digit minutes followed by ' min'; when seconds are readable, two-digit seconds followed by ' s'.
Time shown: 10 h 20 min 21 s
